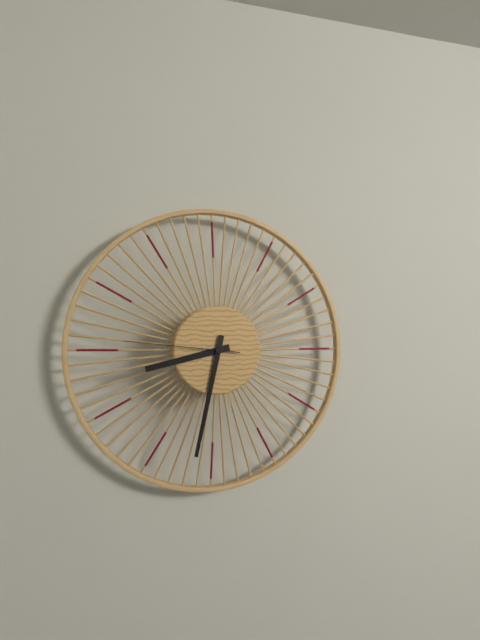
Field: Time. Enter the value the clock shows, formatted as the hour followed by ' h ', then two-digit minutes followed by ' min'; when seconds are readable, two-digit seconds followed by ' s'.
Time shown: 8 h 32 min 46 s
